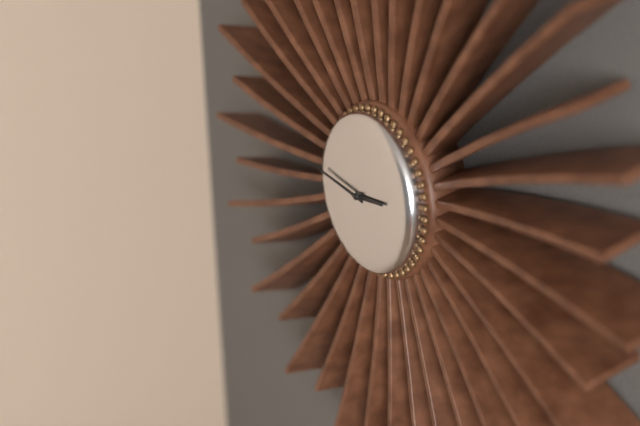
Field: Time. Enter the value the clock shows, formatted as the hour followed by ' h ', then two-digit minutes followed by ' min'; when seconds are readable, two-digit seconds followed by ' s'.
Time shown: 2 h 46 min
